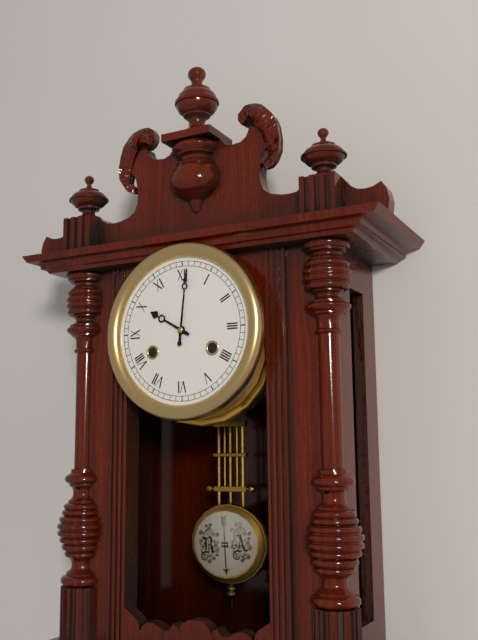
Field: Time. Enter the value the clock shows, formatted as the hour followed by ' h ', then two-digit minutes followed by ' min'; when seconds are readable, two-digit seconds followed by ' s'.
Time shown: 10 h 01 min
